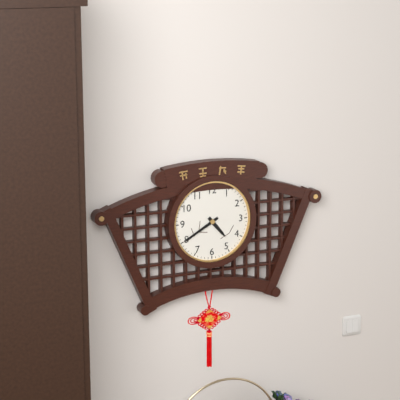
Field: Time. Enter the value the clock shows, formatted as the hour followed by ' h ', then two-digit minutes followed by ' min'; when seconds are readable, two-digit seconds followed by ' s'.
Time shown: 4 h 40 min
